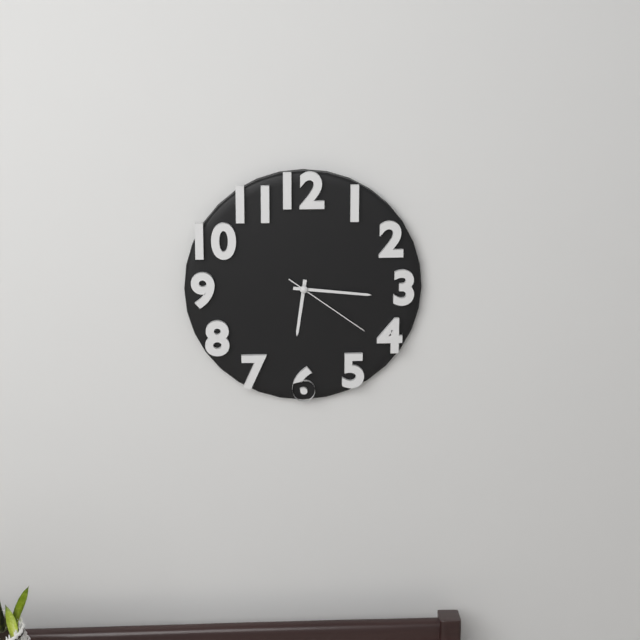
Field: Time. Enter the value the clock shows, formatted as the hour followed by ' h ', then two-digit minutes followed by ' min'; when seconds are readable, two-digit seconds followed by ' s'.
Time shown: 6 h 16 min 21 s
